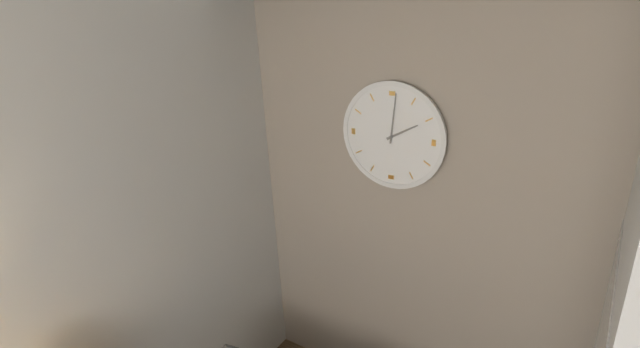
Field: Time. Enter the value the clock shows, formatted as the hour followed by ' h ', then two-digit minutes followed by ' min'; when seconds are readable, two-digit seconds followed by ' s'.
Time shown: 2 h 01 min
